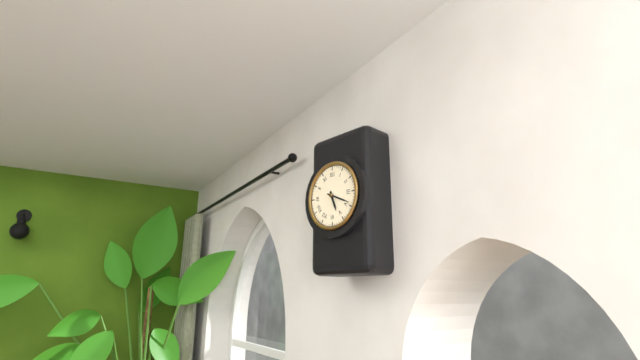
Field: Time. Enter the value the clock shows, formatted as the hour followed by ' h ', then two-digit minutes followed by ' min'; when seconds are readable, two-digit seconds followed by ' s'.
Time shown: 5 h 19 min
